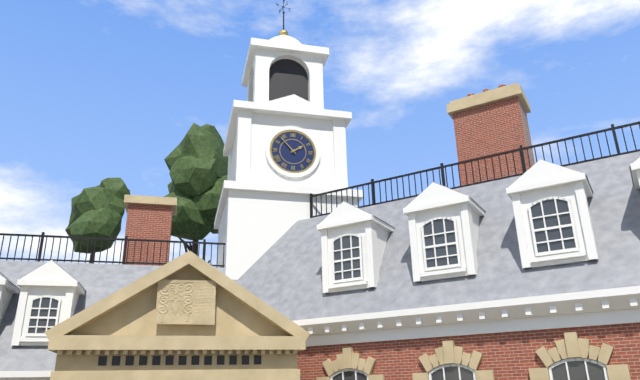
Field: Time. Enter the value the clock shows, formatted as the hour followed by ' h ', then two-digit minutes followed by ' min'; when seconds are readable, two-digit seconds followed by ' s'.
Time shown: 1 h 53 min
